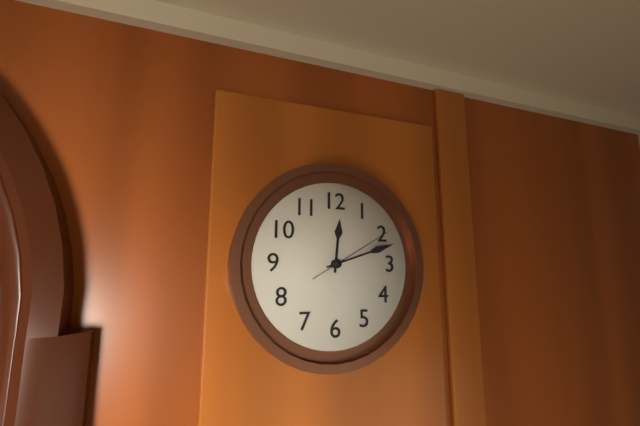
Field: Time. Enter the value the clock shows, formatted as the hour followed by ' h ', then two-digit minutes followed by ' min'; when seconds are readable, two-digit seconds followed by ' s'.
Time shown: 12 h 12 min 10 s
